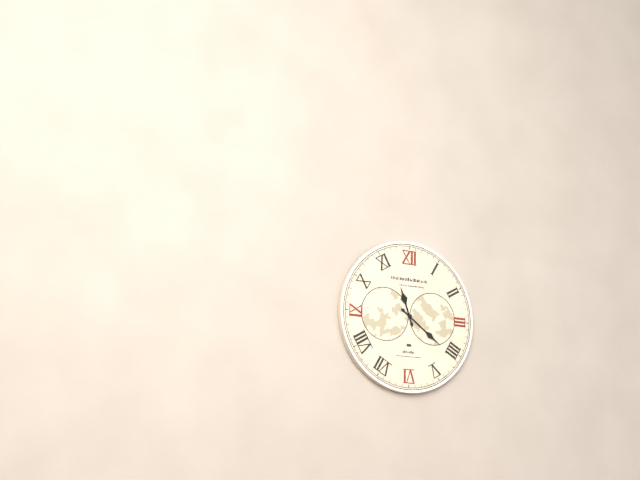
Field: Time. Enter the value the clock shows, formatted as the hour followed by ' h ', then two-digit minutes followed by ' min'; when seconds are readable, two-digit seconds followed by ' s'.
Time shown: 11 h 21 min
